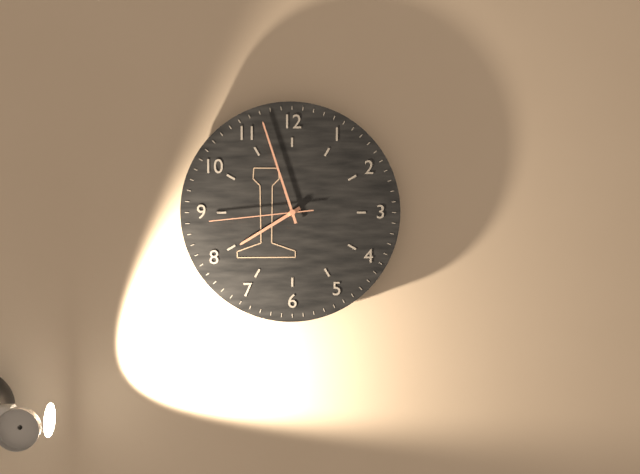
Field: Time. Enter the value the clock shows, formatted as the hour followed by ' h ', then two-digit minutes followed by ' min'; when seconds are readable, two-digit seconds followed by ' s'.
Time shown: 7 h 57 min 44 s
